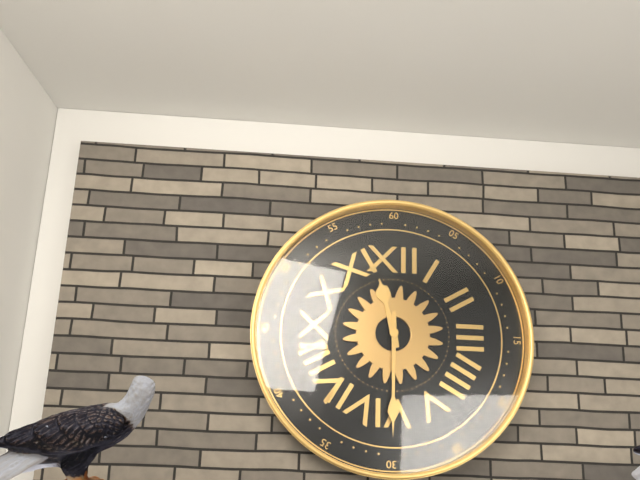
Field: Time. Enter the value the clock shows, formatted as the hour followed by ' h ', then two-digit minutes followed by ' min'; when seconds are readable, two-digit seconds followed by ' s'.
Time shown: 11 h 30 min
